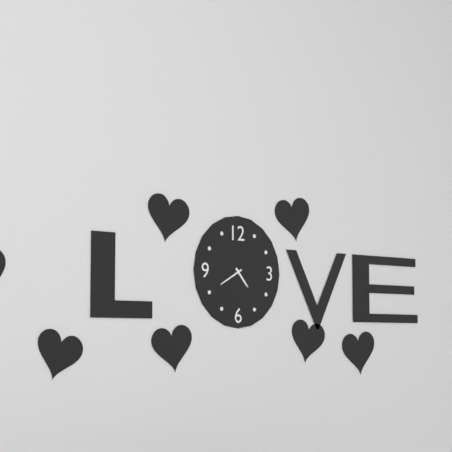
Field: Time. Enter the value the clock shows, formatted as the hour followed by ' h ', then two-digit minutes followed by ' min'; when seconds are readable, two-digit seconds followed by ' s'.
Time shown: 4 h 40 min
